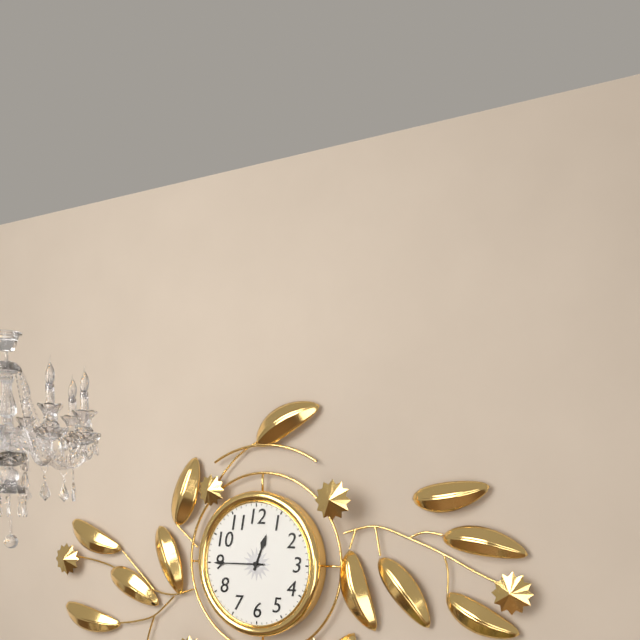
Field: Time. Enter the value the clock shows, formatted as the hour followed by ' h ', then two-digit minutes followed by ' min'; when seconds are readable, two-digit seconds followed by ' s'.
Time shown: 12 h 45 min
